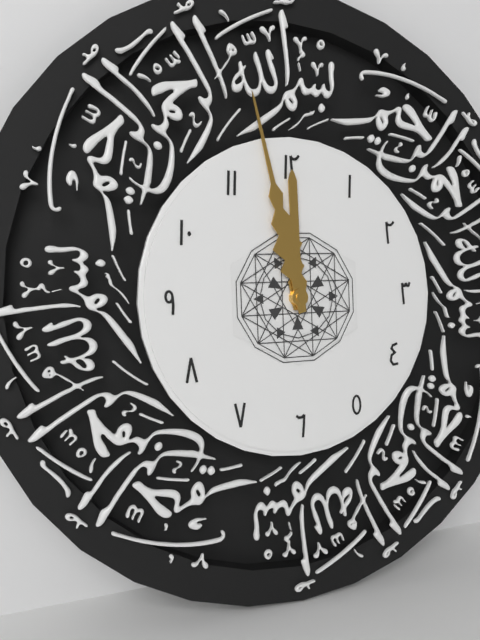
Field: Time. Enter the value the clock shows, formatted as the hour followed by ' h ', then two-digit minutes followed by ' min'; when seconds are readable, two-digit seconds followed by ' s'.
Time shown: 11 h 58 min
